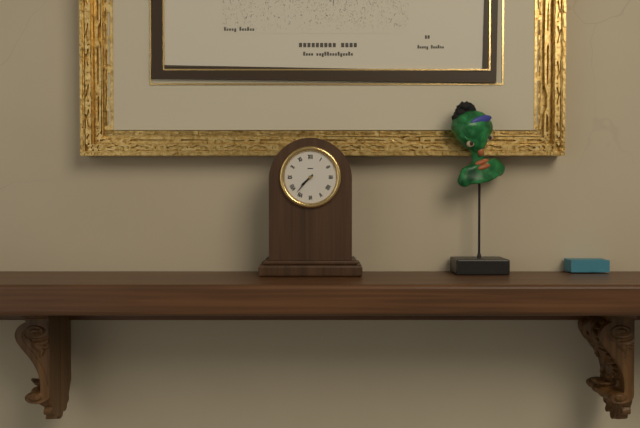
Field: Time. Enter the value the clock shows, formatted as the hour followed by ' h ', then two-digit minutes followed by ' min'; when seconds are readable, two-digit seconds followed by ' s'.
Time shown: 7 h 37 min
